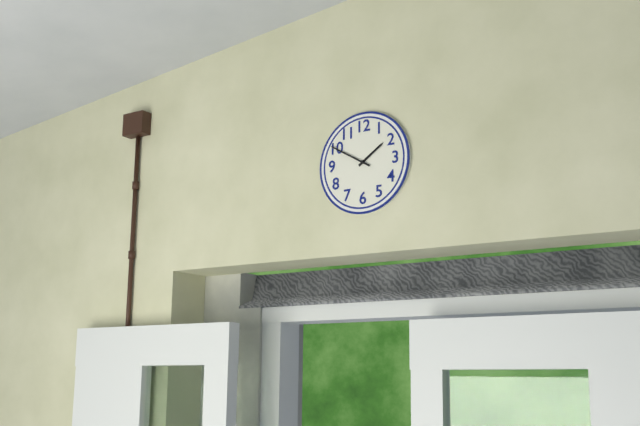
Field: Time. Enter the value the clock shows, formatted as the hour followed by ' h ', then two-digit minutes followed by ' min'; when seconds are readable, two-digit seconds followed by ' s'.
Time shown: 1 h 50 min
